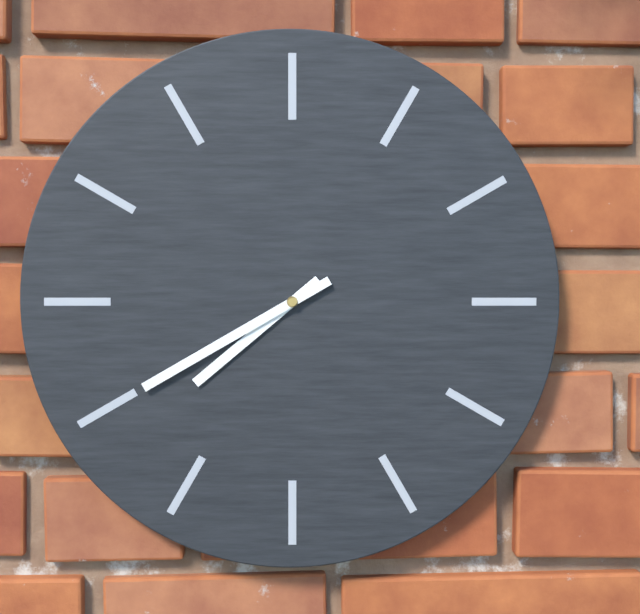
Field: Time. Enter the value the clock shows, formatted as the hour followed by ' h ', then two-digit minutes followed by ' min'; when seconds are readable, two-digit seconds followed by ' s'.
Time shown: 7 h 40 min
